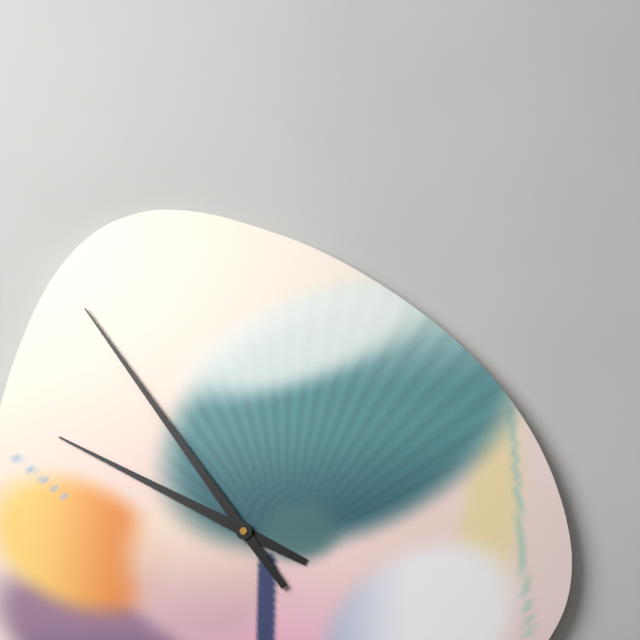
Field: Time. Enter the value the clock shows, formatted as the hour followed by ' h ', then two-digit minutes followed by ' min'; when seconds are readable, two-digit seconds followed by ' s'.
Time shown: 9 h 54 min
